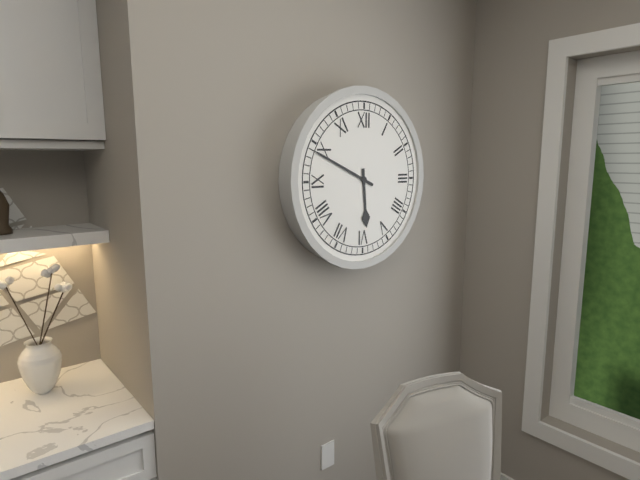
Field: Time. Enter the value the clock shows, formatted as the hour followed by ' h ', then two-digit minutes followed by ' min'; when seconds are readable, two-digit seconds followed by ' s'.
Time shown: 5 h 49 min
